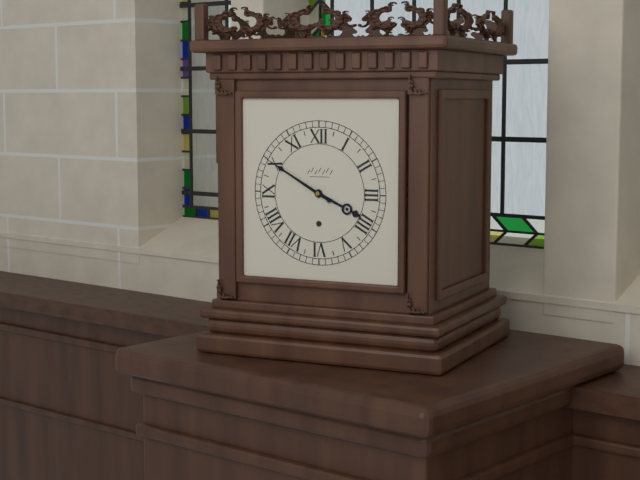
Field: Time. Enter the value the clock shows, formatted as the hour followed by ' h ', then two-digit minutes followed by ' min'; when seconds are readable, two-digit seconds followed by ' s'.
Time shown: 3 h 50 min
